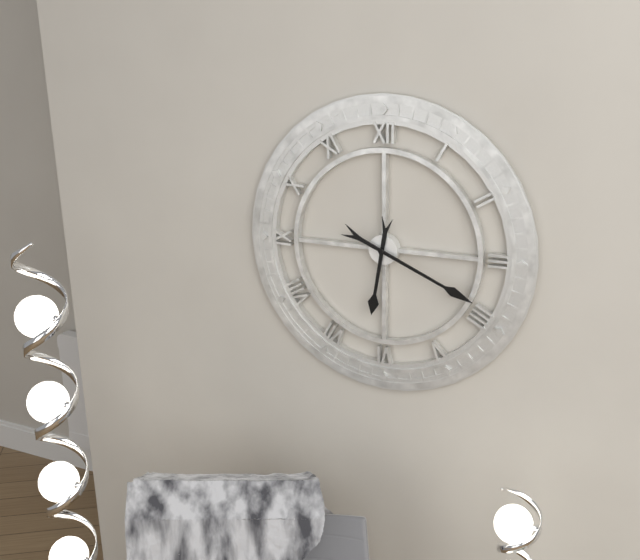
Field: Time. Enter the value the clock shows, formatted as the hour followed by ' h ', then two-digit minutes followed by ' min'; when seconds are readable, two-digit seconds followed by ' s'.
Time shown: 6 h 19 min
